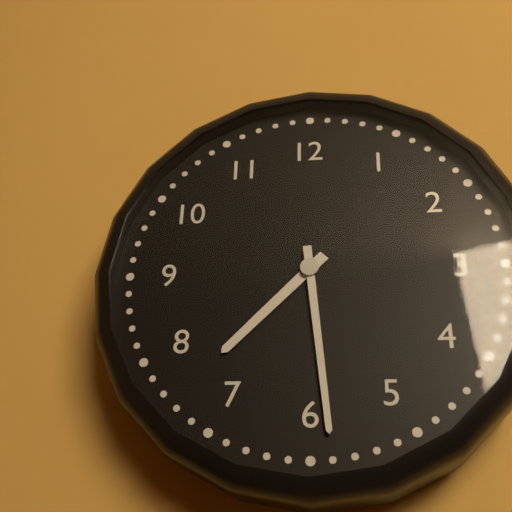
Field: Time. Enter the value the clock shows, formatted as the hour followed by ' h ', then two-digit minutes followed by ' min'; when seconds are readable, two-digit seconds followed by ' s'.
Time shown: 7 h 29 min
